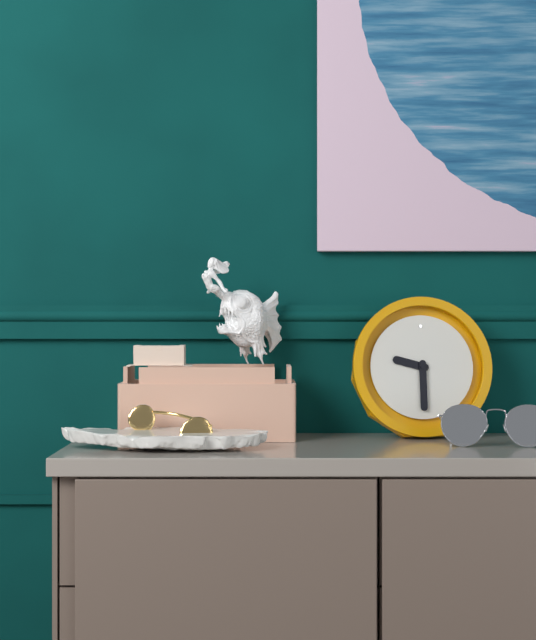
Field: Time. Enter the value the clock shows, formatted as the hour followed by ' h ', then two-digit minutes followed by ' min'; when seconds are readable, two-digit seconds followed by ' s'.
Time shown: 9 h 30 min
